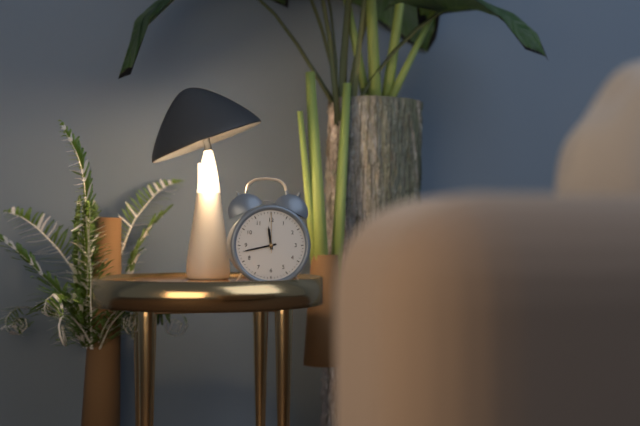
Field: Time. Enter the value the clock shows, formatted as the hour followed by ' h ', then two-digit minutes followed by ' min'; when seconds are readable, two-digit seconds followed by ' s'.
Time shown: 11 h 43 min
